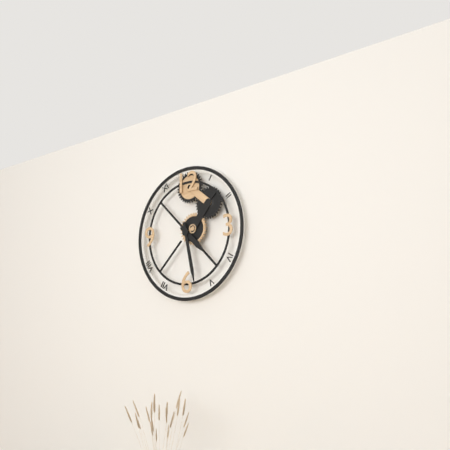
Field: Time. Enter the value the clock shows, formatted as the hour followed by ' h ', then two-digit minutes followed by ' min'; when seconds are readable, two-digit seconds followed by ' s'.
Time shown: 4 h 28 min
